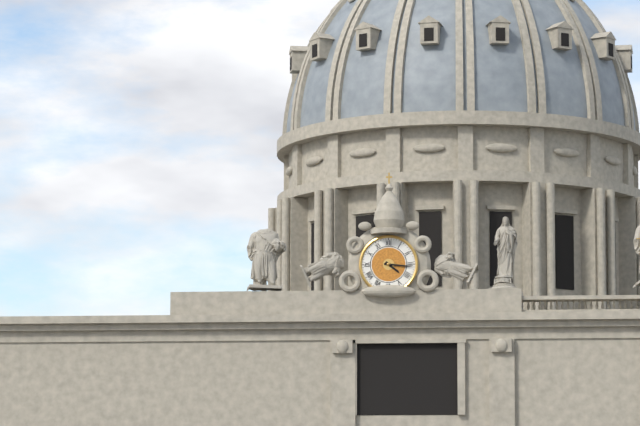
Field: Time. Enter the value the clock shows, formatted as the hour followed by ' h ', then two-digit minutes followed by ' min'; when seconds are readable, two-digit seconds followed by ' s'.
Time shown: 4 h 16 min
